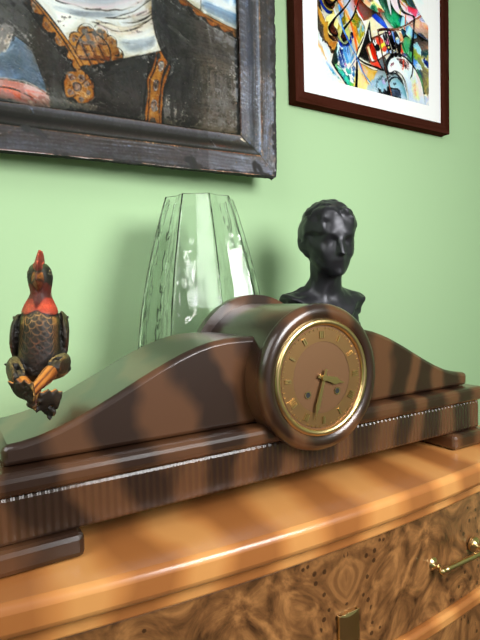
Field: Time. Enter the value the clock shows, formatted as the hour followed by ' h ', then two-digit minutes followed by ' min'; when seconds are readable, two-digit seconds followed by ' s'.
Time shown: 3 h 33 min
